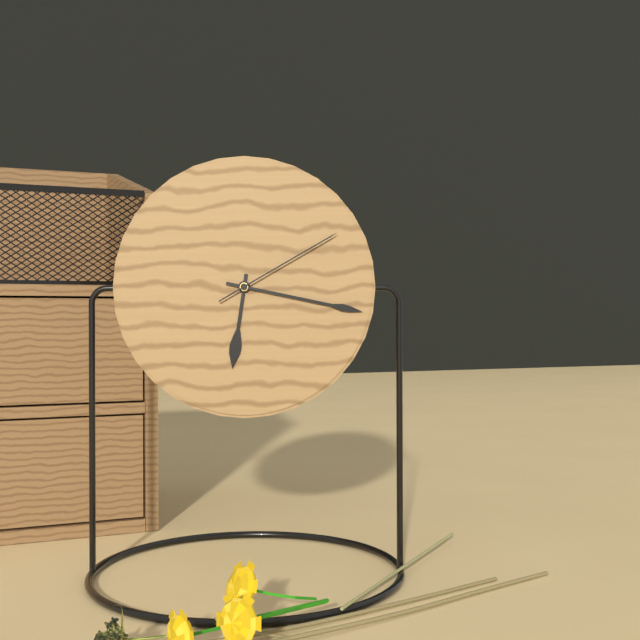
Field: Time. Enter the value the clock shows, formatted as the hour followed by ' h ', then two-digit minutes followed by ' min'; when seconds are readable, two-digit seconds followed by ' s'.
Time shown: 6 h 17 min 10 s
